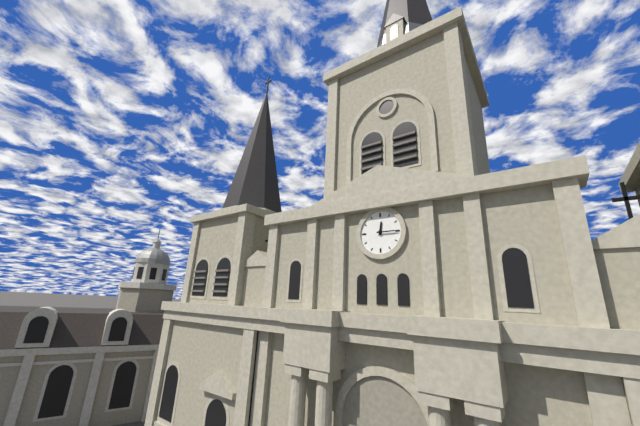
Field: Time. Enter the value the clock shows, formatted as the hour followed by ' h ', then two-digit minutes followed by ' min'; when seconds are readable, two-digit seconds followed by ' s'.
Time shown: 12 h 15 min
